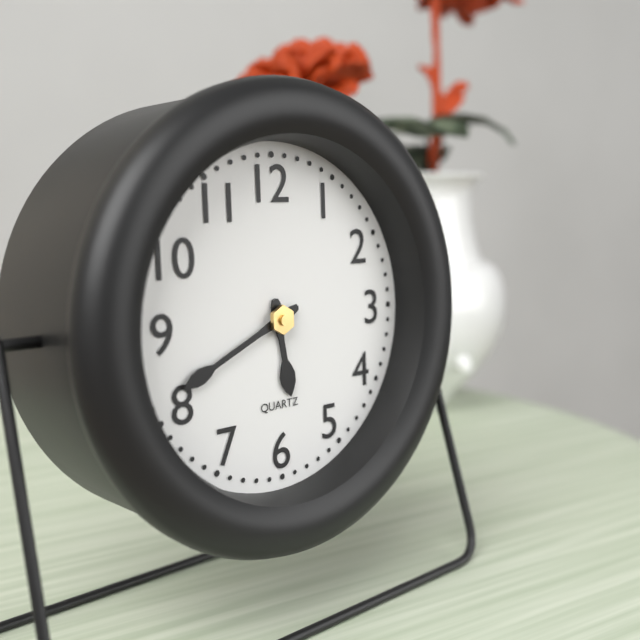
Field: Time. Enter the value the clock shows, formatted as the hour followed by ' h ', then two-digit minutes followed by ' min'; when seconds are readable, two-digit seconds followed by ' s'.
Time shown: 5 h 41 min
